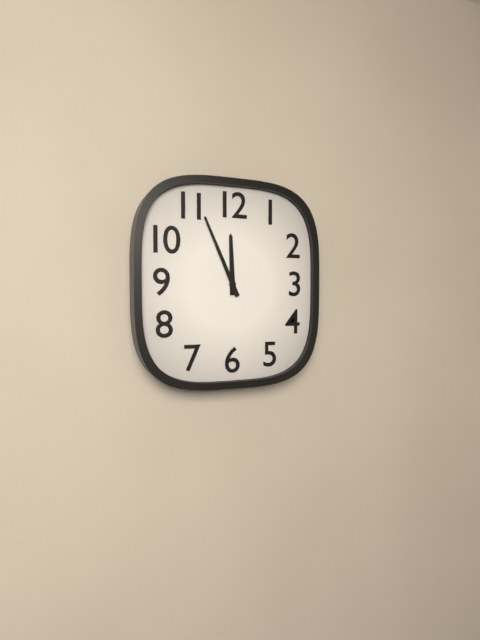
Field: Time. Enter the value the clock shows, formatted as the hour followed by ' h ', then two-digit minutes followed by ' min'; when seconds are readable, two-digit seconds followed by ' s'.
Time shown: 11 h 56 min
